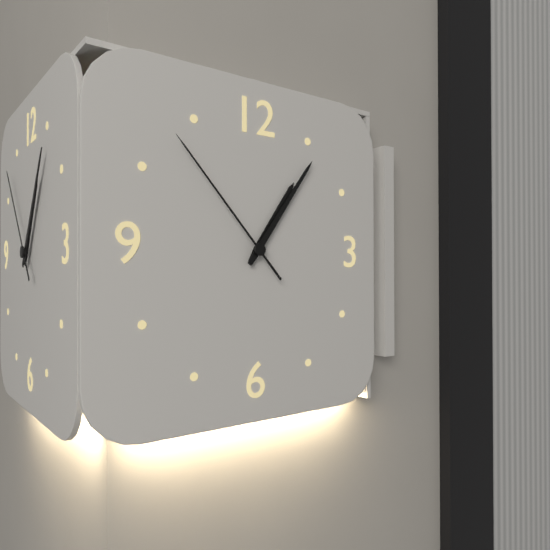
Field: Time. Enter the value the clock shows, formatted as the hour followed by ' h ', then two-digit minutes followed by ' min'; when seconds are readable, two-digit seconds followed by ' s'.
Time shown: 1 h 06 min 53 s
